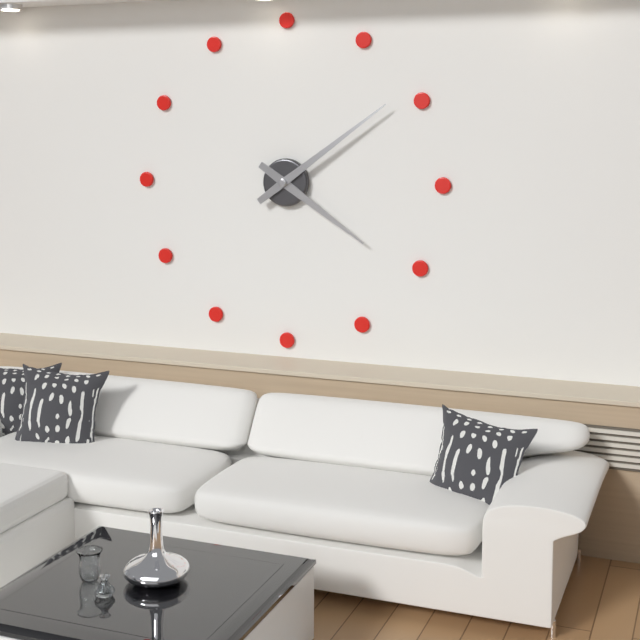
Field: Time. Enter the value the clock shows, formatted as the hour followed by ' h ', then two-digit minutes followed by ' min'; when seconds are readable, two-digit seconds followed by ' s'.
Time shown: 4 h 09 min
